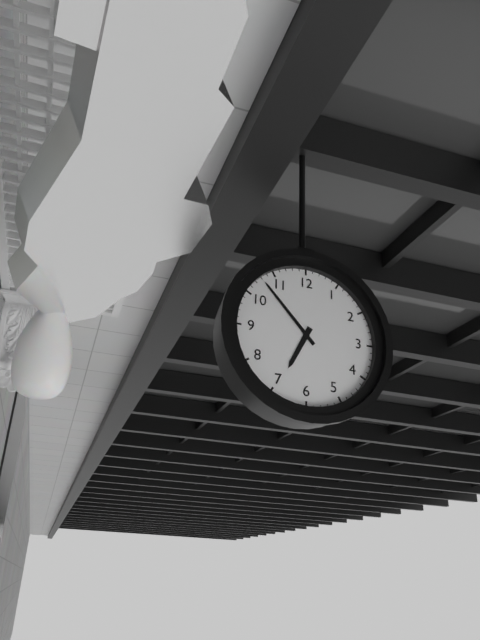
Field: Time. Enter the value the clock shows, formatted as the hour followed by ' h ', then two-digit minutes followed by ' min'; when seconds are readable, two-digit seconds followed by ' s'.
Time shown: 6 h 53 min
